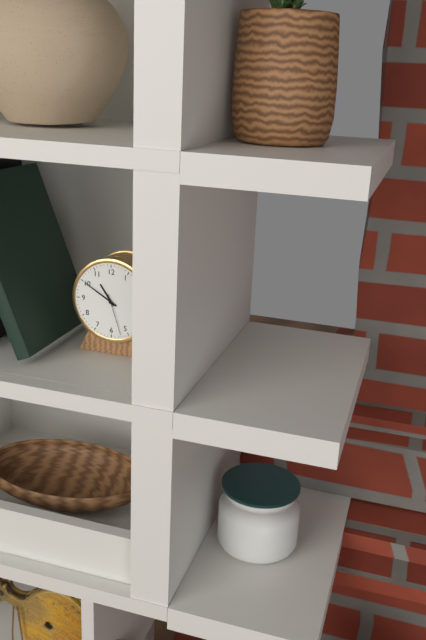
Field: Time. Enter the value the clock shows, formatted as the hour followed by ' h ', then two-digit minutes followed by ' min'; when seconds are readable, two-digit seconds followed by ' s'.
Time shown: 10 h 50 min
